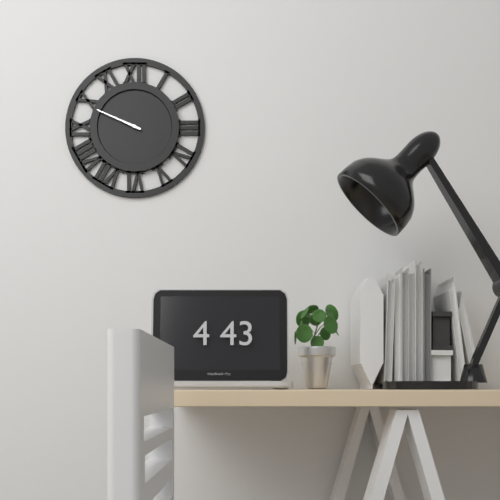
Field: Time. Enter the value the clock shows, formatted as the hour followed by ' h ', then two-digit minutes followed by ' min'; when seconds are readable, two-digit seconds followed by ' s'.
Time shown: 9 h 49 min
